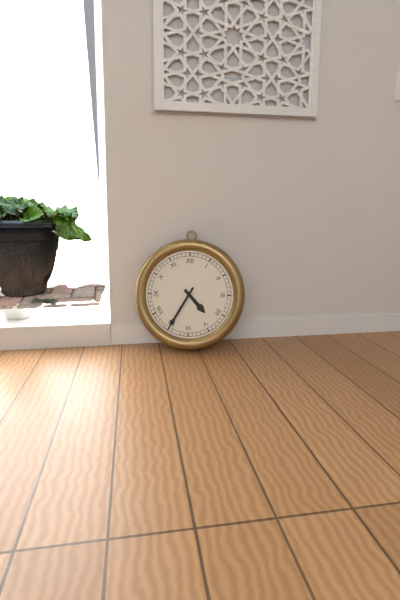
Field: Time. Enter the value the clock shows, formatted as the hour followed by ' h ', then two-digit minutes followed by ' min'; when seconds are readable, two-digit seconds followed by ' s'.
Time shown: 4 h 35 min
